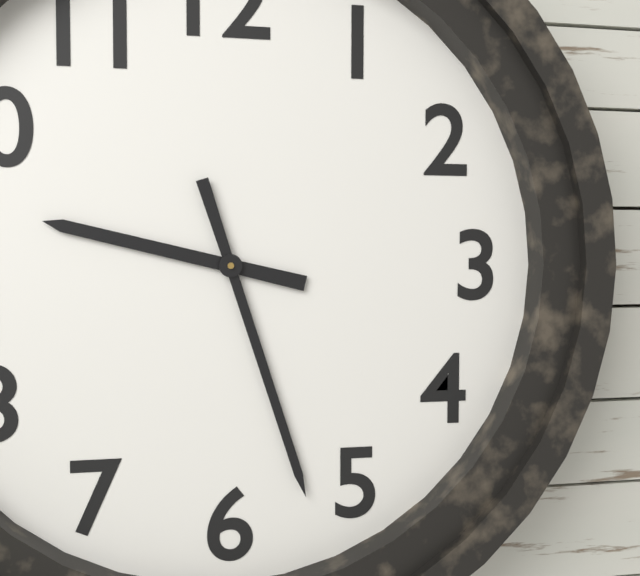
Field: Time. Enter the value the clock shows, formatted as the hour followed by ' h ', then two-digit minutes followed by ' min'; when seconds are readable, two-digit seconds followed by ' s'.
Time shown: 9 h 27 min
